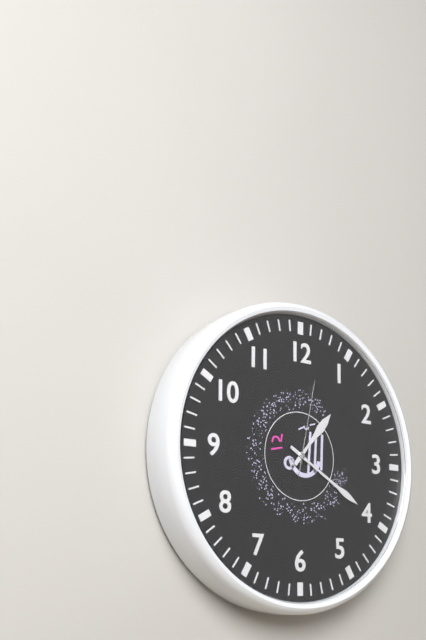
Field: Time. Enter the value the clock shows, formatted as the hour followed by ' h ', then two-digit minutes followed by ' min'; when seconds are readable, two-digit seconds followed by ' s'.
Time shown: 1 h 20 min 02 s
